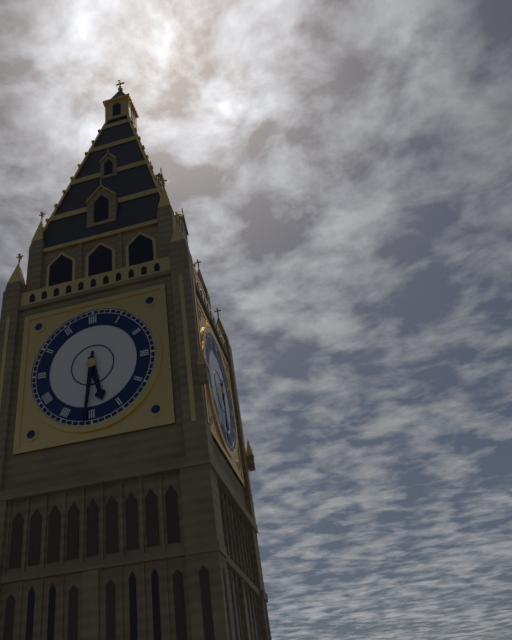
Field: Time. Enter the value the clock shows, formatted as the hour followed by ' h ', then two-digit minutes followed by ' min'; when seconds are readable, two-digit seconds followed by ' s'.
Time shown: 5 h 31 min
